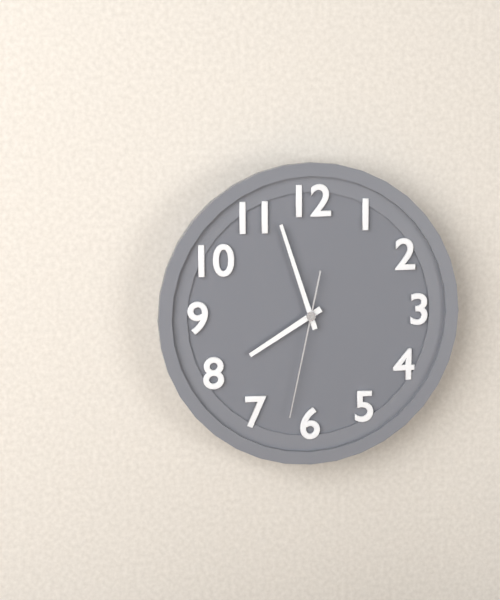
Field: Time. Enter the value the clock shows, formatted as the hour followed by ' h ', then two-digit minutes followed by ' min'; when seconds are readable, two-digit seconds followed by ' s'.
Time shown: 7 h 57 min 32 s
